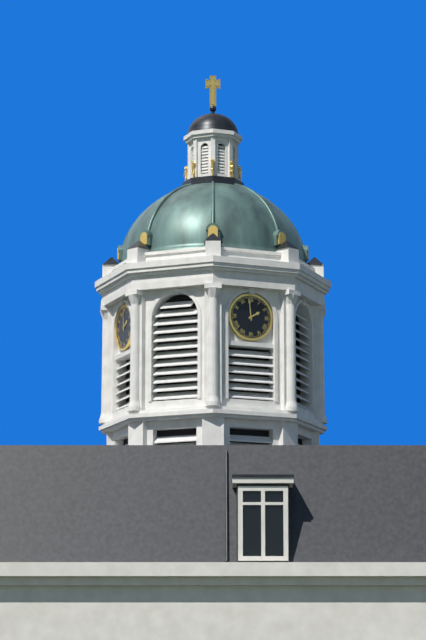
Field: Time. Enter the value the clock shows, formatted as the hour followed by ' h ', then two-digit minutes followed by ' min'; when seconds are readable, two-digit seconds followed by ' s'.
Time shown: 1 h 59 min
